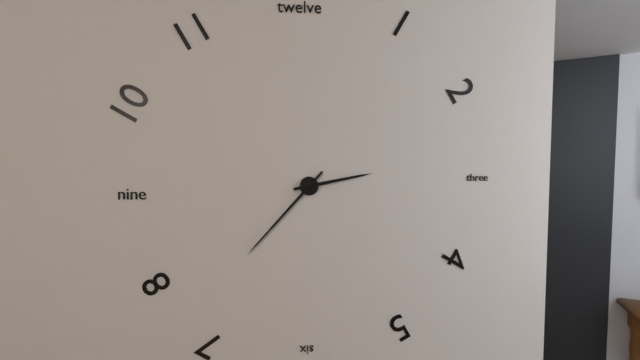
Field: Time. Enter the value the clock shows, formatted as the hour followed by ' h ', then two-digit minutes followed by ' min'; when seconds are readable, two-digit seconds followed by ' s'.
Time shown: 2 h 37 min
